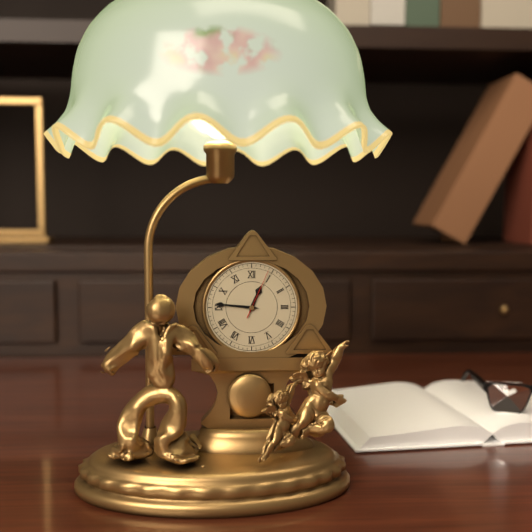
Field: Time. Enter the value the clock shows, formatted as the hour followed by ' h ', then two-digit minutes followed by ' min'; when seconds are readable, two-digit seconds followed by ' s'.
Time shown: 12 h 46 min 04 s
